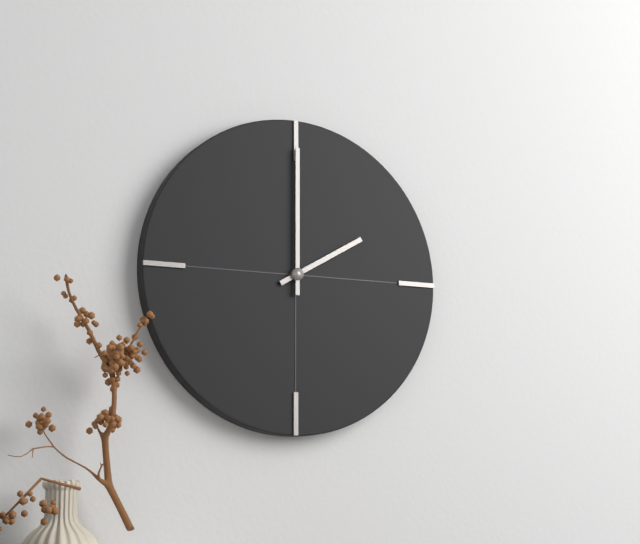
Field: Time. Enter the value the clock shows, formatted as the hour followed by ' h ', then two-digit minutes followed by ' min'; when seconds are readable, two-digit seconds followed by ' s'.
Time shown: 2 h 00 min
